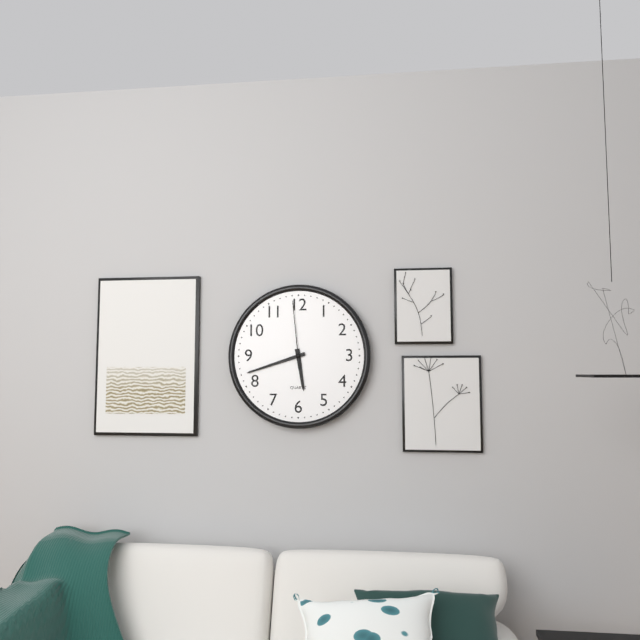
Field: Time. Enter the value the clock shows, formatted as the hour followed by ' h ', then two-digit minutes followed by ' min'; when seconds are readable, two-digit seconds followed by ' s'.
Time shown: 5 h 42 min 59 s
